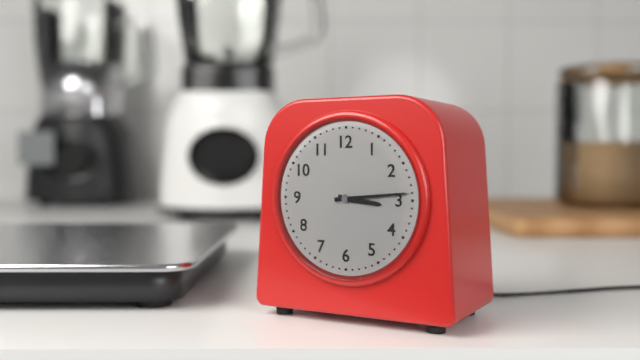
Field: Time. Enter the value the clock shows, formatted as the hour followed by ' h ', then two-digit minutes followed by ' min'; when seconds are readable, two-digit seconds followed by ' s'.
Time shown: 3 h 14 min
